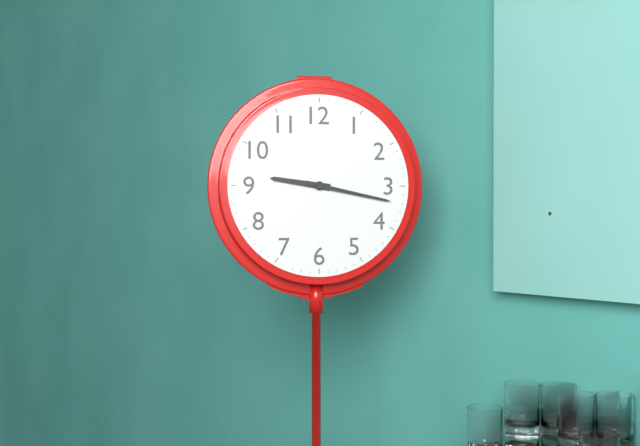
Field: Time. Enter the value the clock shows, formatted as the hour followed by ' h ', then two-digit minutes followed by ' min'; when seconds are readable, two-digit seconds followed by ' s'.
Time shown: 9 h 17 min
